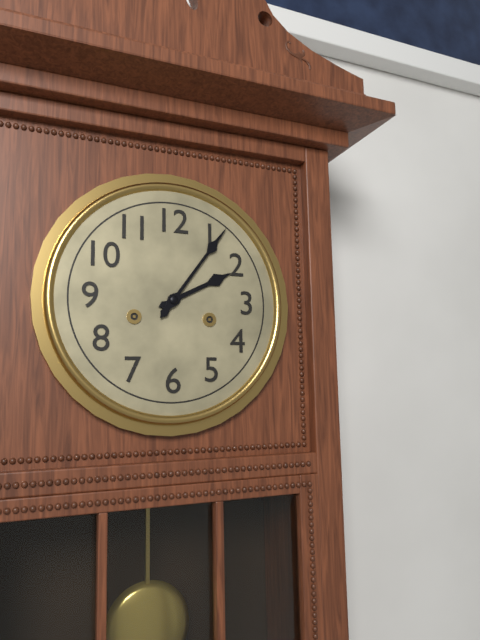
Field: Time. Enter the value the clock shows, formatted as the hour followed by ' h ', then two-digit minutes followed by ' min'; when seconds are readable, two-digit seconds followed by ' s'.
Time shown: 2 h 06 min
